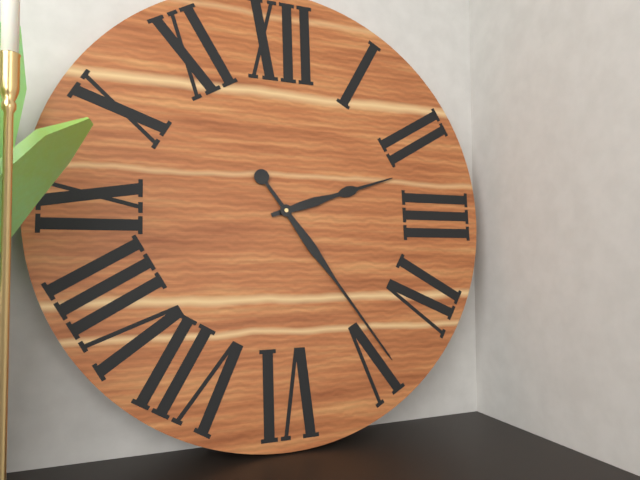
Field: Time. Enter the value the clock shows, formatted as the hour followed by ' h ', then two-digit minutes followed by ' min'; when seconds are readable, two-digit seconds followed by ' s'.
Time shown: 2 h 24 min
